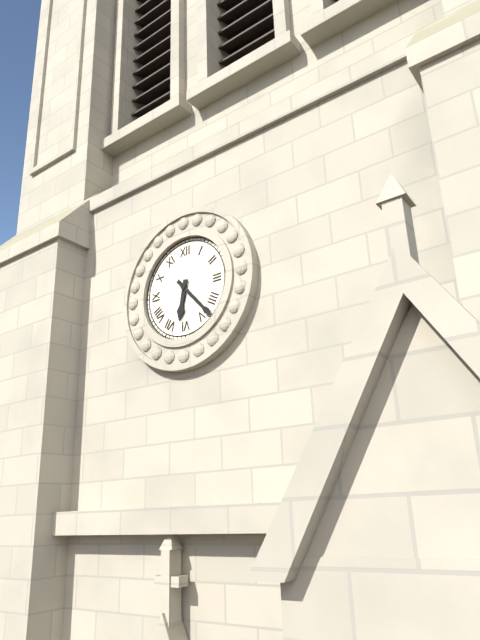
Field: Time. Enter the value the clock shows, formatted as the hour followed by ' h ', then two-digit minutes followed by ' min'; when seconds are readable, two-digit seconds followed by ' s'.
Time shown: 6 h 23 min
